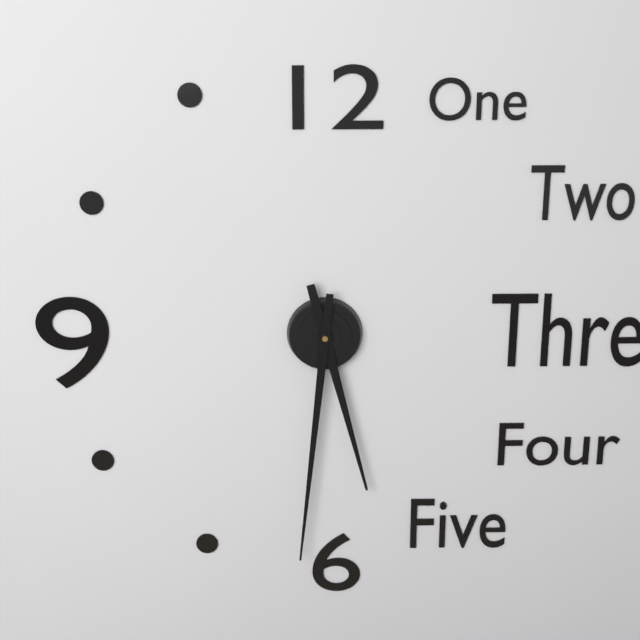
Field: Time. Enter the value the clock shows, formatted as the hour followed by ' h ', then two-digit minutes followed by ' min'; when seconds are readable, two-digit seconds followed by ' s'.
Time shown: 5 h 31 min
